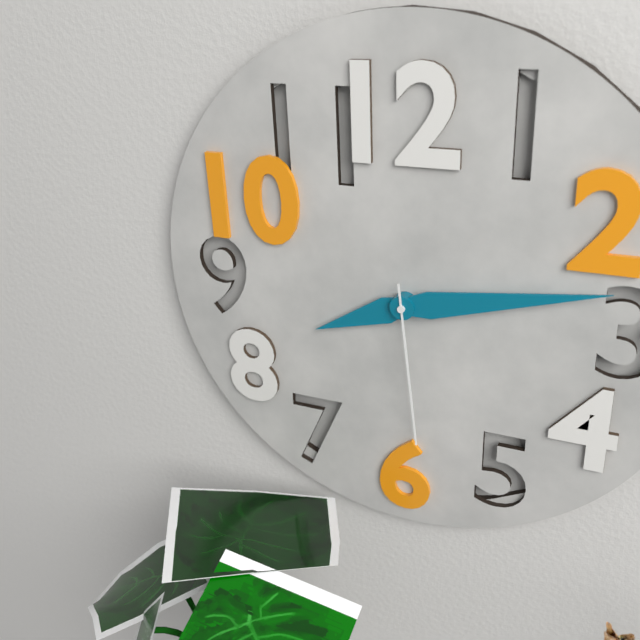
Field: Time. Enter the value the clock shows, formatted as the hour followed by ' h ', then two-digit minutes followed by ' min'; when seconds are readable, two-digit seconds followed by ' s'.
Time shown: 8 h 13 min 29 s
